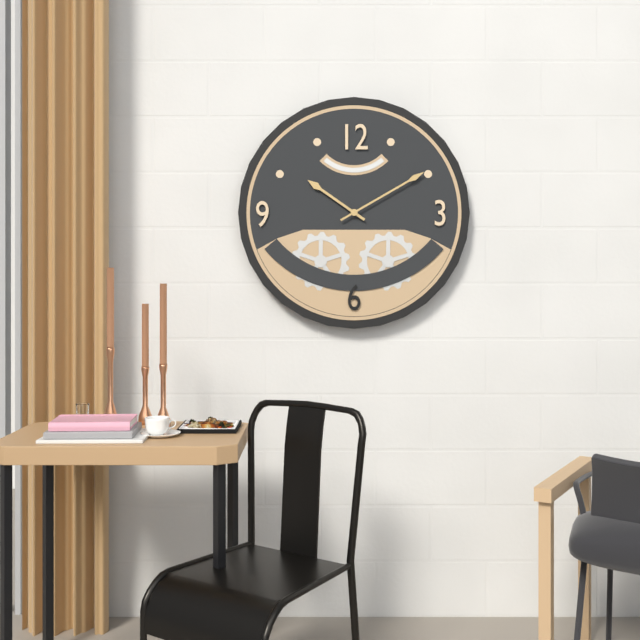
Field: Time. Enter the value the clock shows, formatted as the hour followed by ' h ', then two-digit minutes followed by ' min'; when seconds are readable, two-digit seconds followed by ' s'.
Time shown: 10 h 10 min
